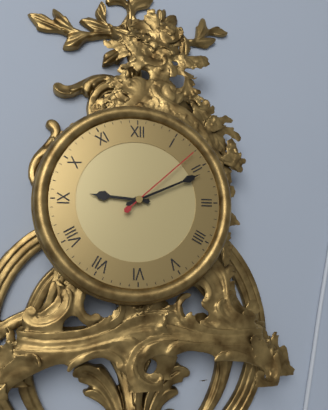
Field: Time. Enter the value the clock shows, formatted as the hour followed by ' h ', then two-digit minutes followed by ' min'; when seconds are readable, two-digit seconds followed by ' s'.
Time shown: 9 h 11 min 08 s
